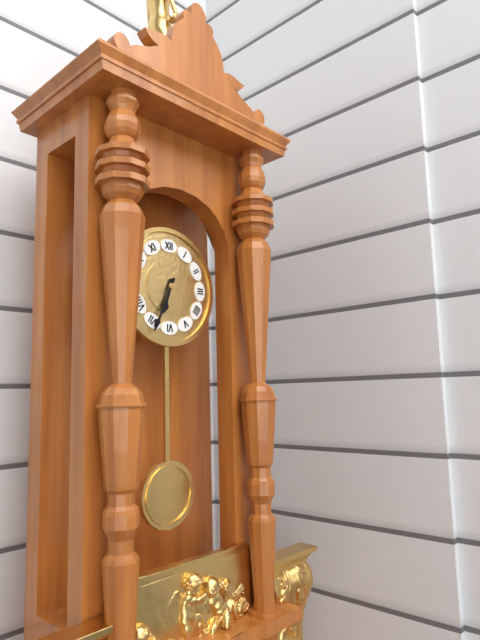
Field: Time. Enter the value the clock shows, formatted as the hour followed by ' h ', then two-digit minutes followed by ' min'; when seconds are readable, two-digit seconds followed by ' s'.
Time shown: 6 h 34 min
